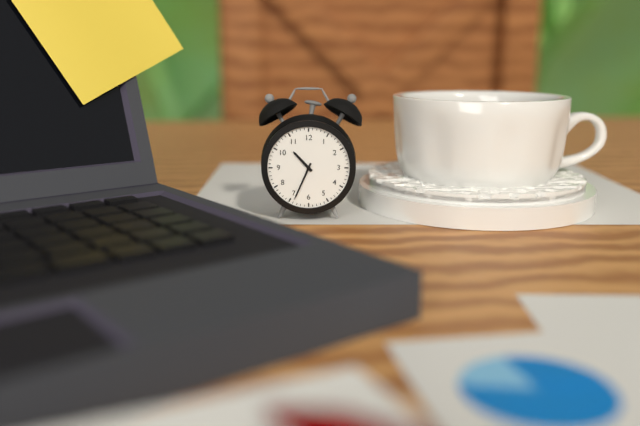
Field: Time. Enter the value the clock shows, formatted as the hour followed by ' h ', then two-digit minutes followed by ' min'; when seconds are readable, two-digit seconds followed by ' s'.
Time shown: 10 h 34 min
